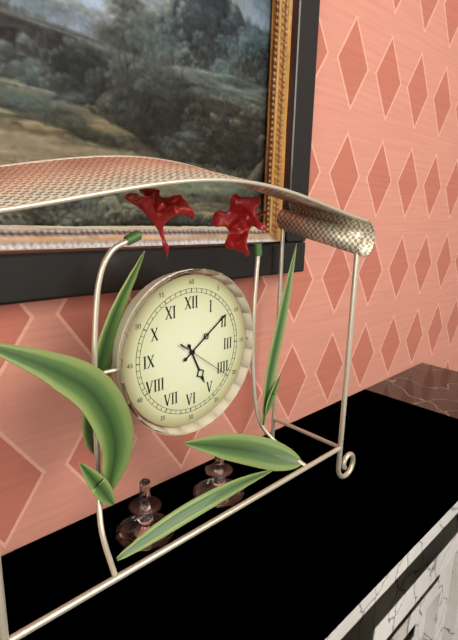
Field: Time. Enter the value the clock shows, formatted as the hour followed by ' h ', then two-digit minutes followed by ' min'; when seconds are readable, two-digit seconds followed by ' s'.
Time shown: 5 h 09 min 21 s
